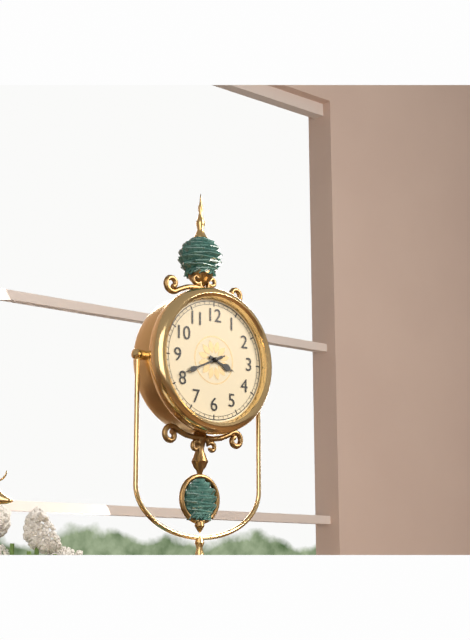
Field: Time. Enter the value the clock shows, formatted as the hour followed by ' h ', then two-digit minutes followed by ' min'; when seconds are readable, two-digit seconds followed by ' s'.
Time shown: 3 h 41 min
